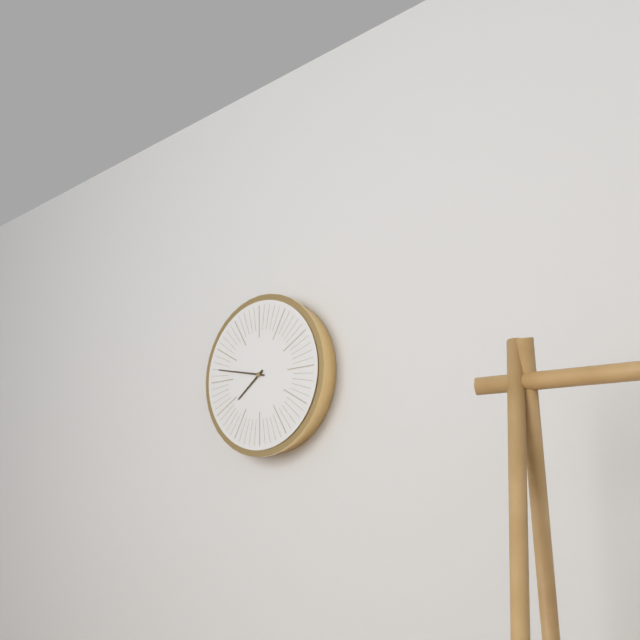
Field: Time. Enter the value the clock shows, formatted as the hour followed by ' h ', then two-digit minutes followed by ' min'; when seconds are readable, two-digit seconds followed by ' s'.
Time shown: 7 h 47 min
